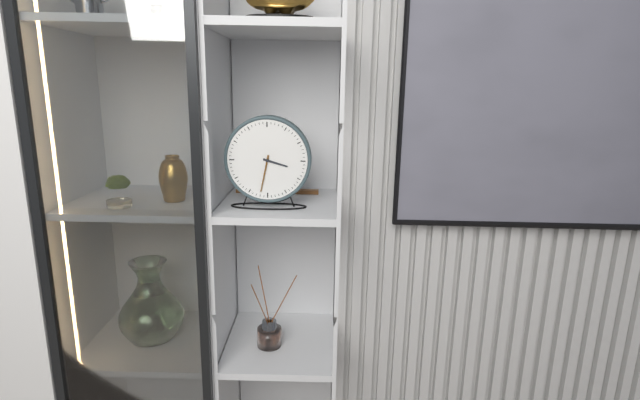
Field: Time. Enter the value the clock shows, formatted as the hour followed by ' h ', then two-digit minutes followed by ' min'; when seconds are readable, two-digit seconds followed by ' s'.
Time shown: 3 h 32 min
